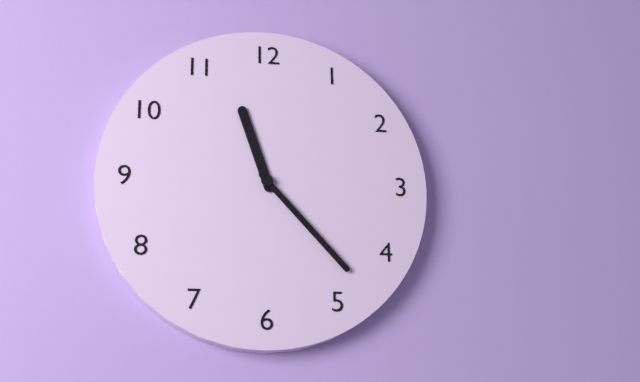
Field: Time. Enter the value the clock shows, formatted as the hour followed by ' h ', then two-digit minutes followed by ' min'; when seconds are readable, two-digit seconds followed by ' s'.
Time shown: 11 h 23 min
